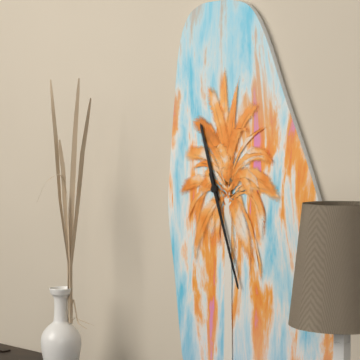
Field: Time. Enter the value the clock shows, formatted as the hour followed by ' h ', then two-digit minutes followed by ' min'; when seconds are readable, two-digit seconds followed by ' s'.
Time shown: 11 h 27 min
